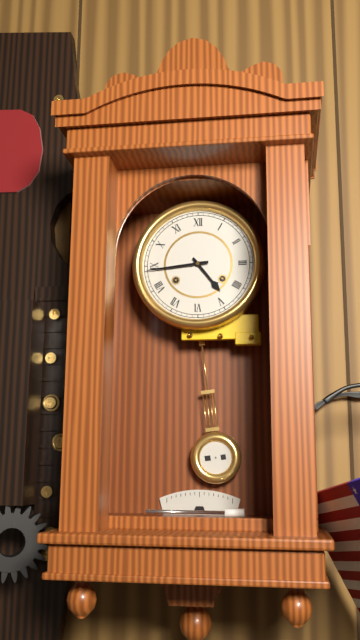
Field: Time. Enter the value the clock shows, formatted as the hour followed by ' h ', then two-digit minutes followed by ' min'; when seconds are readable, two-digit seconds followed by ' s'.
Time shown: 4 h 44 min
